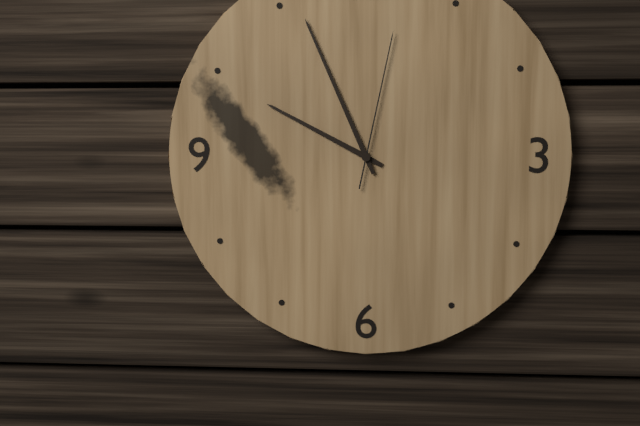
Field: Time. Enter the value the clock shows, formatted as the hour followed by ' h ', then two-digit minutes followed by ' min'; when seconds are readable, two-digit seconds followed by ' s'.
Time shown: 9 h 56 min 02 s
